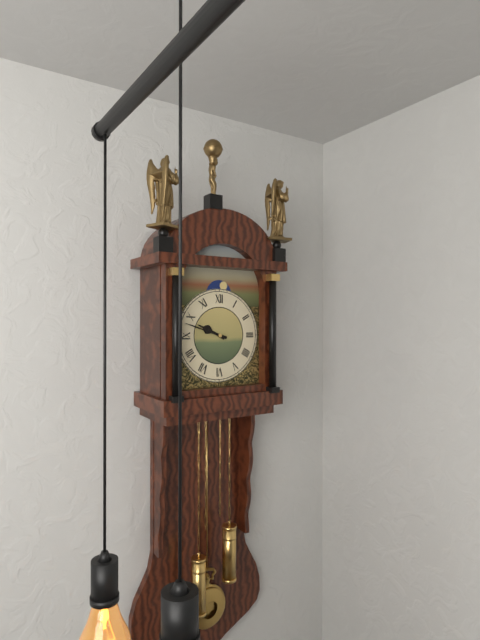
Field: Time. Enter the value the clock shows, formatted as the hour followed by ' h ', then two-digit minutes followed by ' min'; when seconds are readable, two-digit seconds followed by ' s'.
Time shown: 9 h 48 min
